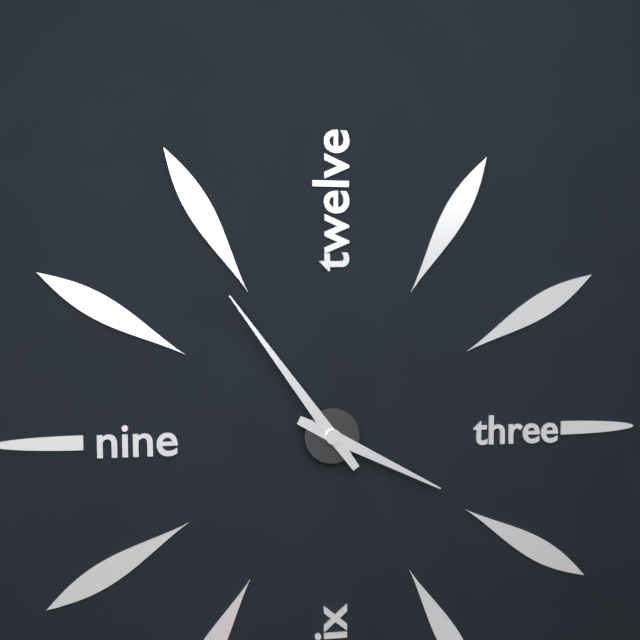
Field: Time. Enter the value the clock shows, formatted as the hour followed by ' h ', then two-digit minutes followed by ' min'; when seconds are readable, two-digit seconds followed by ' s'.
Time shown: 3 h 54 min
